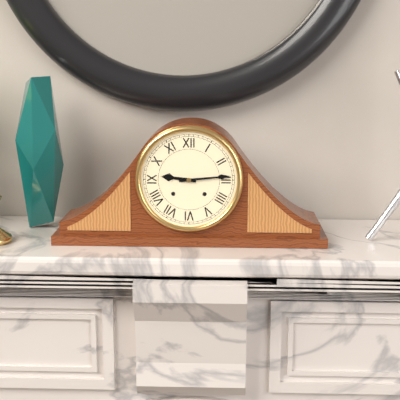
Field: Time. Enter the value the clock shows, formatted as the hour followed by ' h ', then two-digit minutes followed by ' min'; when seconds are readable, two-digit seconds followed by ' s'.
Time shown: 9 h 14 min
